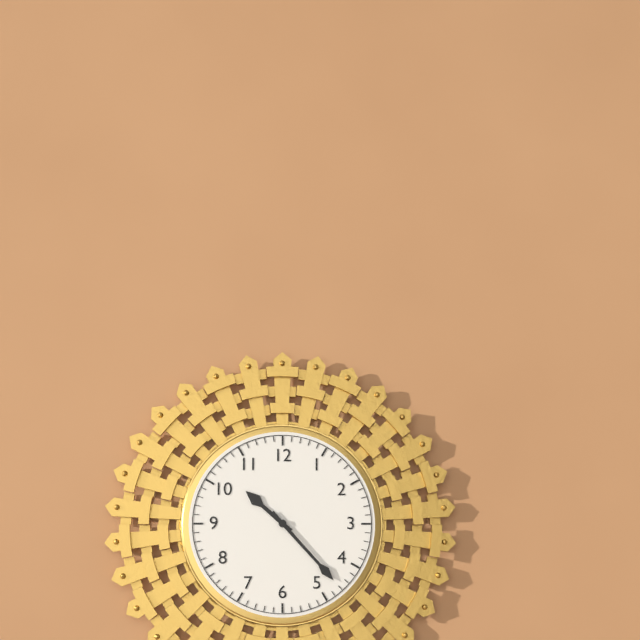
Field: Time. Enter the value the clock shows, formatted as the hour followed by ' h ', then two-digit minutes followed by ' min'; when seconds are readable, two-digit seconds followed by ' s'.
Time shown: 10 h 23 min
